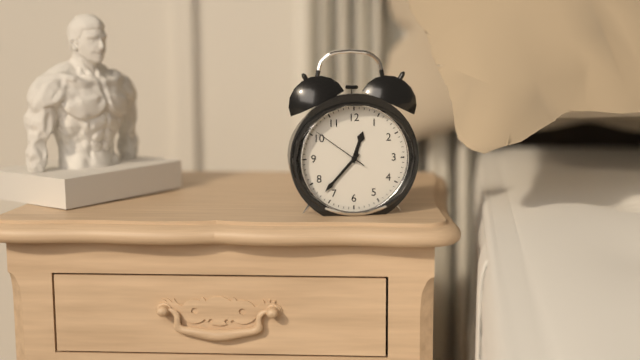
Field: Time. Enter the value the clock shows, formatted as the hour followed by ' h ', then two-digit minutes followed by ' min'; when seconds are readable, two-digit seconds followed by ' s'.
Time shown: 12 h 37 min 51 s
